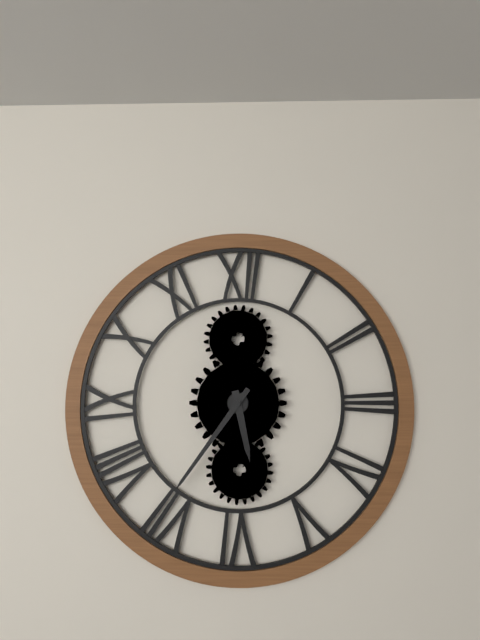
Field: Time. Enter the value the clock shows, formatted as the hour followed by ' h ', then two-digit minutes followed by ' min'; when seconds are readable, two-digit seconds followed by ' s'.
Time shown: 5 h 36 min
